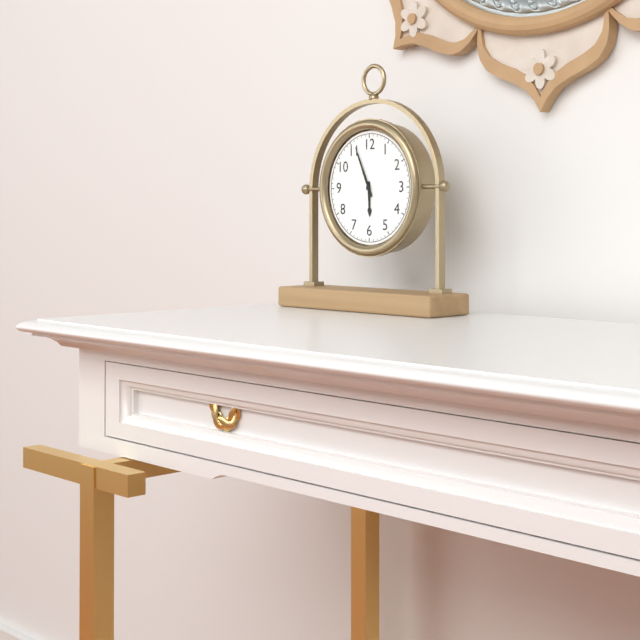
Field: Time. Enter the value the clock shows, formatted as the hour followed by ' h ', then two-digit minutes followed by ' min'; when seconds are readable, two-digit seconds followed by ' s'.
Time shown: 5 h 56 min
